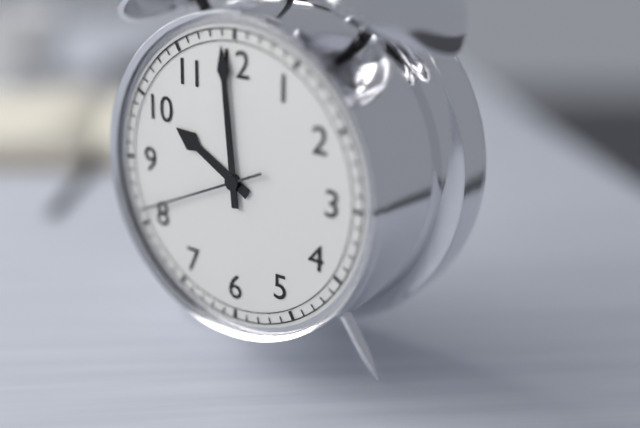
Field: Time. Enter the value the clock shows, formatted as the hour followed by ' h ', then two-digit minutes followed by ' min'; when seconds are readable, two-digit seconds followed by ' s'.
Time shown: 9 h 59 min 41 s
